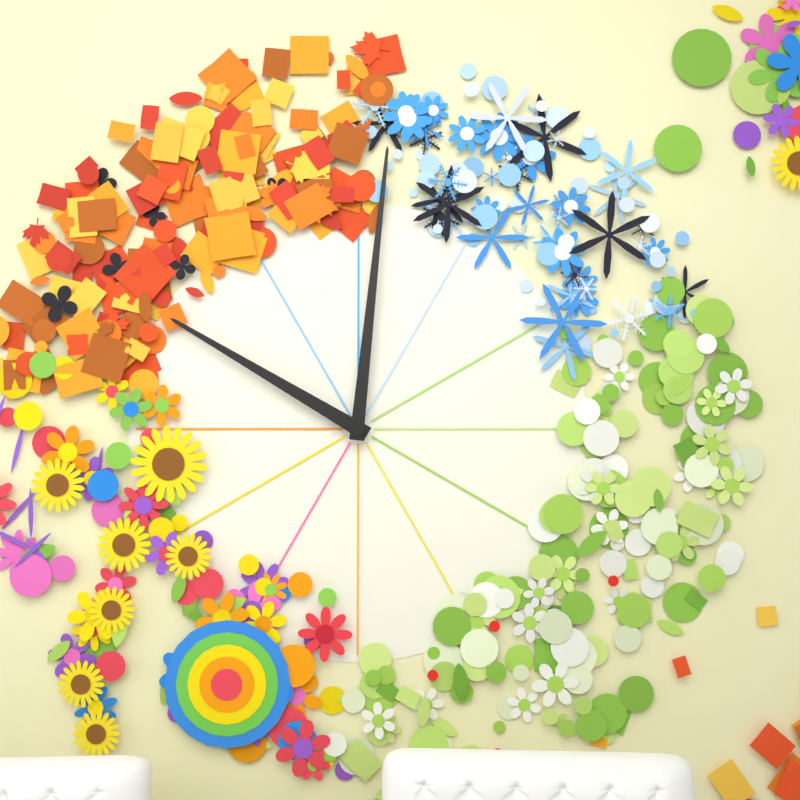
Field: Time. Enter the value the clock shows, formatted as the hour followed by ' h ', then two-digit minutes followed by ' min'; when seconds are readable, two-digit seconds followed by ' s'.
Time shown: 10 h 01 min
